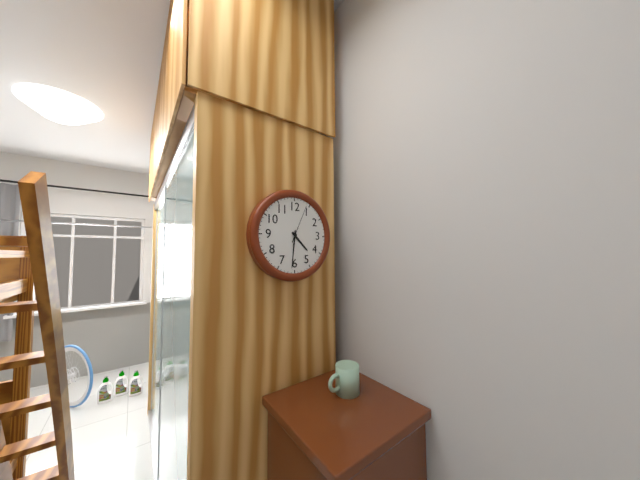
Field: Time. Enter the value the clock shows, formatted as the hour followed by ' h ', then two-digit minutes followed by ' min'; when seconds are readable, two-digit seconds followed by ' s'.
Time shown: 4 h 31 min
